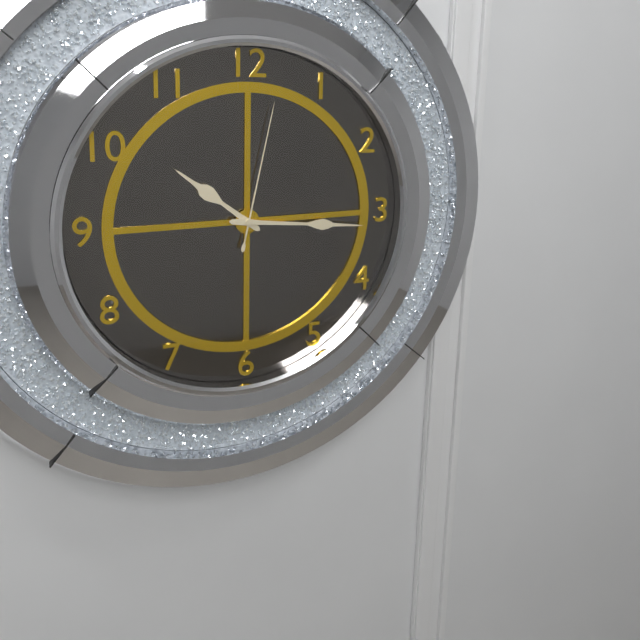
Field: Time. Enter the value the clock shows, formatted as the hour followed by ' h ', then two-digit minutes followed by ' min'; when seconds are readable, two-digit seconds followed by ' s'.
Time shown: 10 h 16 min 02 s
